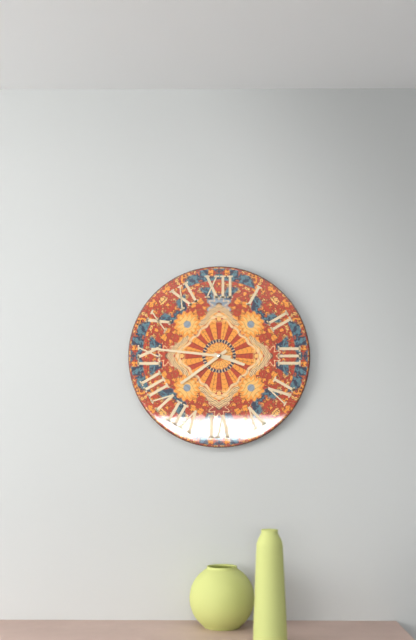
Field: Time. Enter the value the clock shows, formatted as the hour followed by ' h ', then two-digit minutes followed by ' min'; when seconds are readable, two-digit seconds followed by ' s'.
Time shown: 3 h 39 min 46 s
